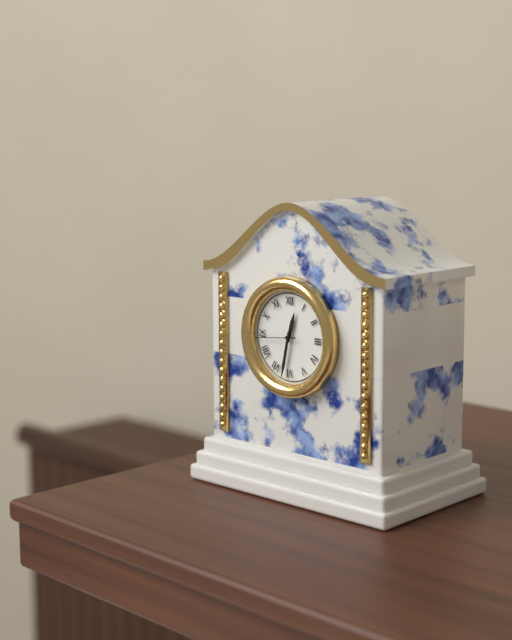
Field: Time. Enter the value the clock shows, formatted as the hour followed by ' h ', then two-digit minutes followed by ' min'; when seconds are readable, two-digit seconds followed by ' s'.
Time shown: 12 h 32 min
